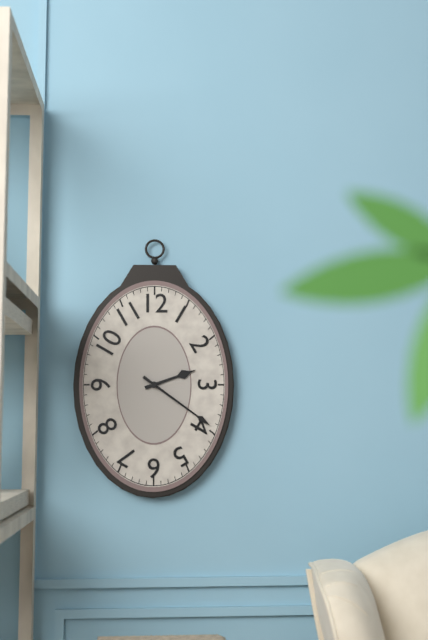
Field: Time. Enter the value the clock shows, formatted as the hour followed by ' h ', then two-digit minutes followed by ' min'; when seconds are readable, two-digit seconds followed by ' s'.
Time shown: 2 h 21 min
